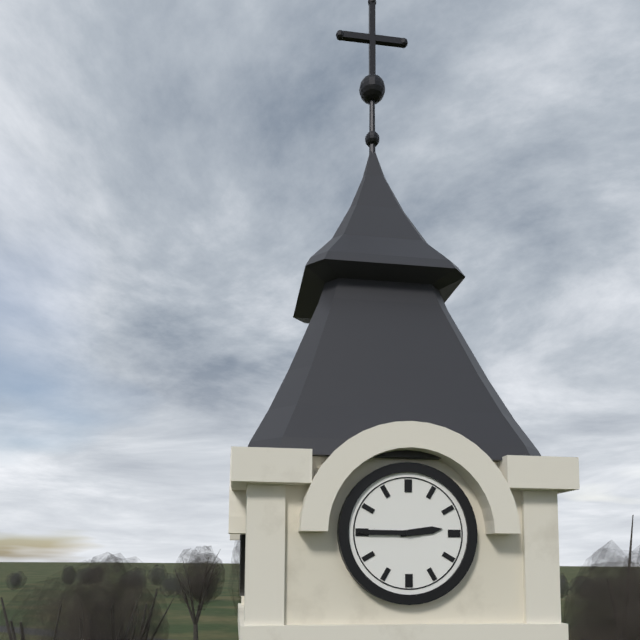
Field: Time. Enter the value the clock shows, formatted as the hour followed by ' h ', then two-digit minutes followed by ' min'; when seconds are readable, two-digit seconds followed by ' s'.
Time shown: 2 h 45 min
